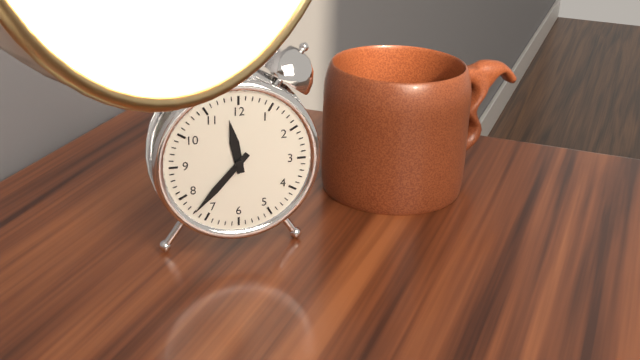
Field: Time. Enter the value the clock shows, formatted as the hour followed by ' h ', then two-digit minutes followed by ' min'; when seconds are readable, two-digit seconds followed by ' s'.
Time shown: 11 h 37 min
